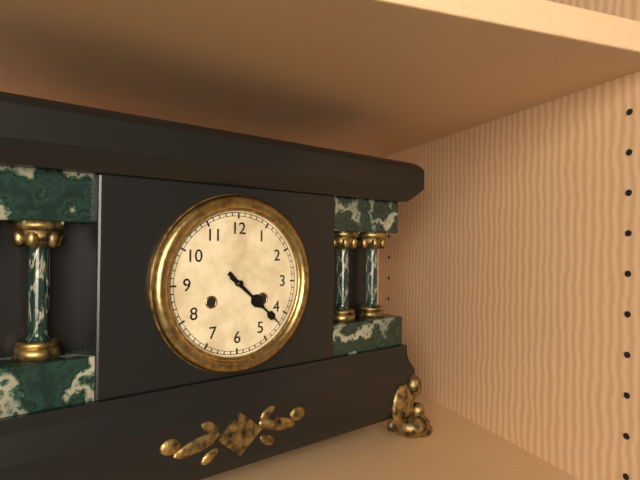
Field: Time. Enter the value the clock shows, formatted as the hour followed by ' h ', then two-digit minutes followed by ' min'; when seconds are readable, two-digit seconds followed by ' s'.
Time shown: 4 h 22 min
